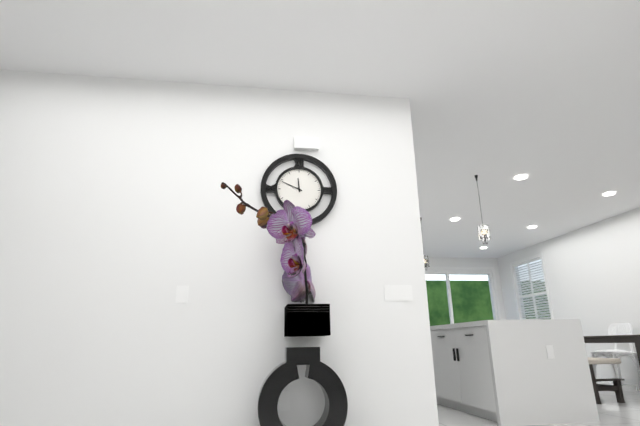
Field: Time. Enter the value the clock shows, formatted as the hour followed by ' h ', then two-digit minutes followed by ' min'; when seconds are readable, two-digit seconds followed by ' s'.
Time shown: 11 h 49 min
